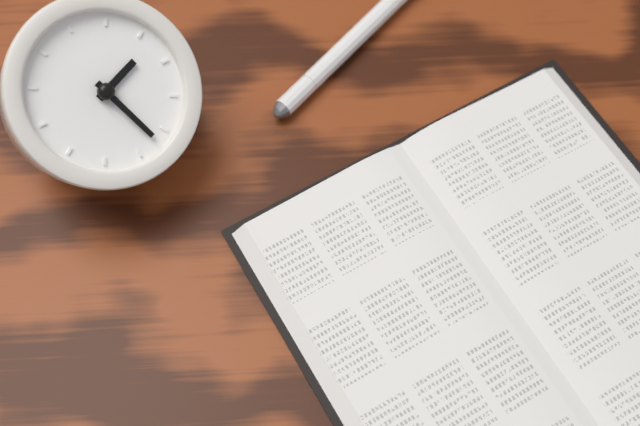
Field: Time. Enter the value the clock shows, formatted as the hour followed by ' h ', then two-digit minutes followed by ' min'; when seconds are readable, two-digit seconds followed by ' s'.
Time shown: 1 h 22 min
